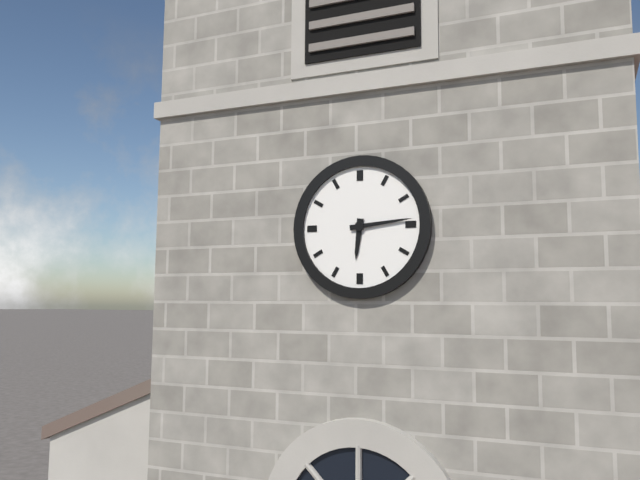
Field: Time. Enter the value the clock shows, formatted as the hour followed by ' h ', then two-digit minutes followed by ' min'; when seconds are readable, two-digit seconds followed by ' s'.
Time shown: 6 h 14 min
